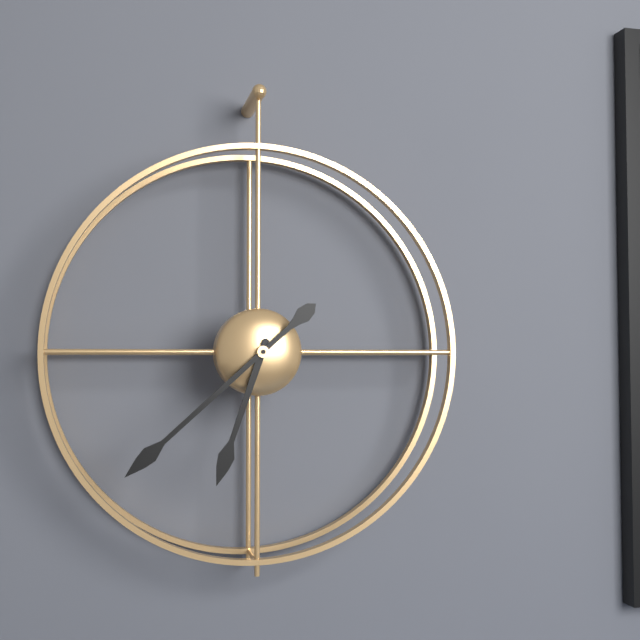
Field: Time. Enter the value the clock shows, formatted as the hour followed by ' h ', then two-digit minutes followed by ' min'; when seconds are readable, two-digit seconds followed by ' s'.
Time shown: 6 h 38 min
